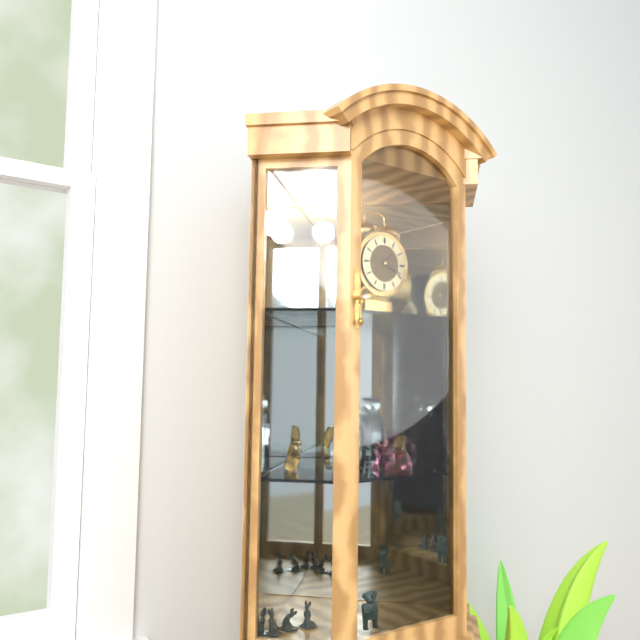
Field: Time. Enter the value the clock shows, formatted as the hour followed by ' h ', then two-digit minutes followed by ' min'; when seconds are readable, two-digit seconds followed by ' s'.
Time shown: 1 h 19 min
